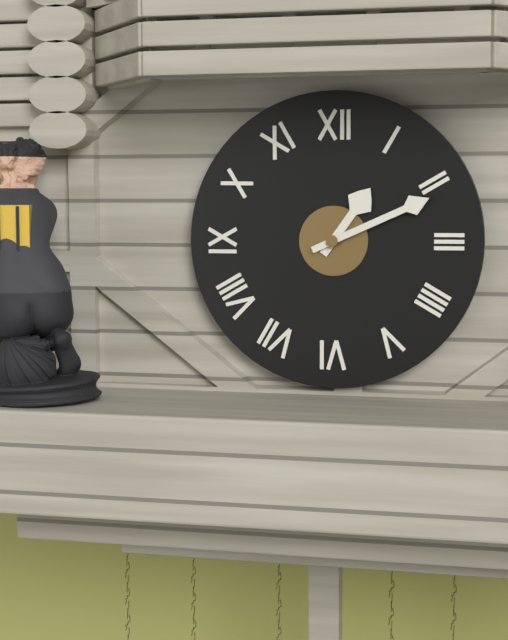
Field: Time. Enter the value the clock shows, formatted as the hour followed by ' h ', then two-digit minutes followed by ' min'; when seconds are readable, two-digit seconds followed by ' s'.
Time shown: 1 h 11 min
